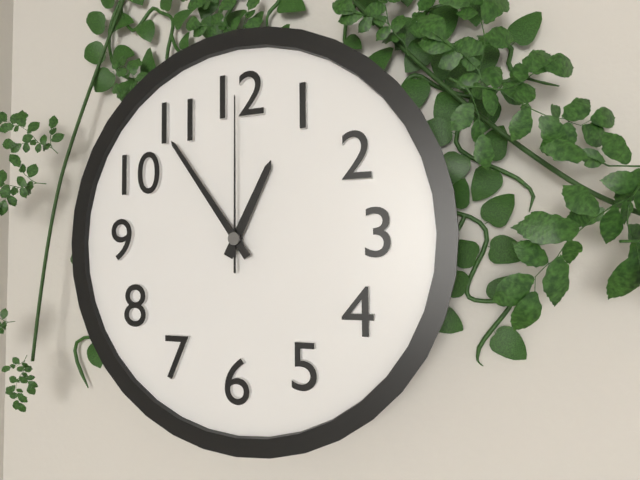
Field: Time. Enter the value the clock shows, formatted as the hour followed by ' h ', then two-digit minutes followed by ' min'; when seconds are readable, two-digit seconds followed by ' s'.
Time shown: 12 h 54 min 00 s
